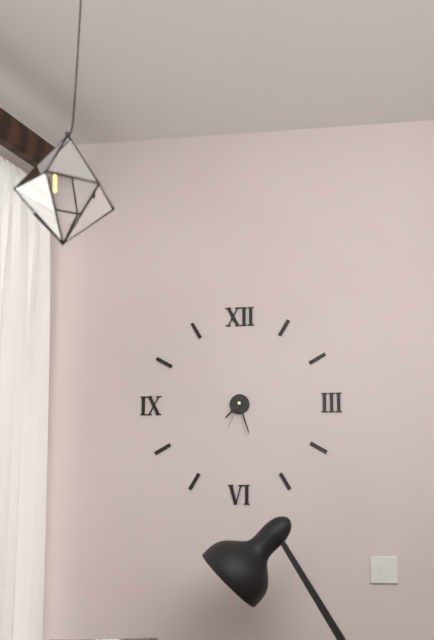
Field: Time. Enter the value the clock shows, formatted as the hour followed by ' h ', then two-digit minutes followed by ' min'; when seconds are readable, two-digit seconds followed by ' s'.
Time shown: 7 h 27 min
